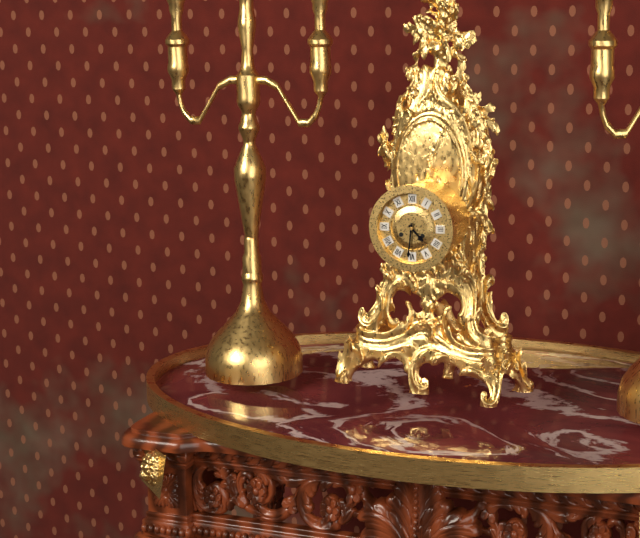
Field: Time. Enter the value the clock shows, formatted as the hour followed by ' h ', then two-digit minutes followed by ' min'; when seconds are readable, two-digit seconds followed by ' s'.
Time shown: 4 h 31 min
